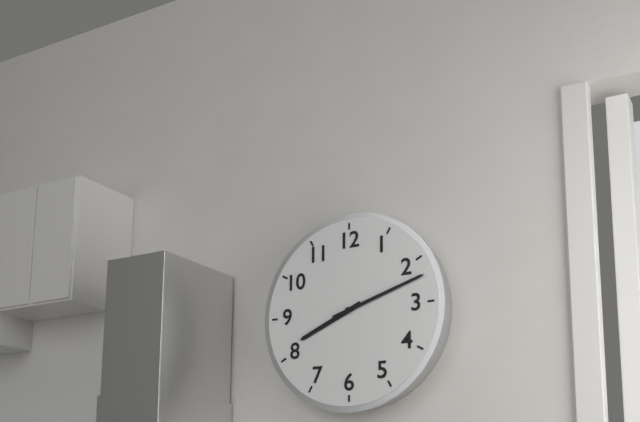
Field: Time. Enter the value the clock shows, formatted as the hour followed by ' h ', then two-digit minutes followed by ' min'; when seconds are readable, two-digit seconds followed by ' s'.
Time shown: 8 h 12 min
